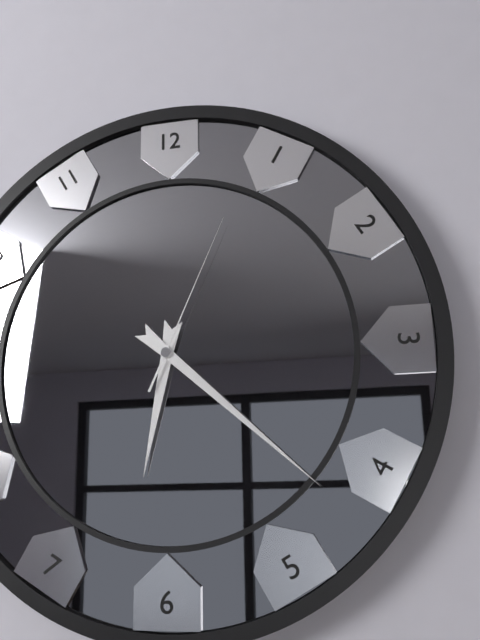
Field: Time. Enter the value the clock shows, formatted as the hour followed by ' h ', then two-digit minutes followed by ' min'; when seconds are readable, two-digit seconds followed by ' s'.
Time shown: 6 h 22 min 04 s
